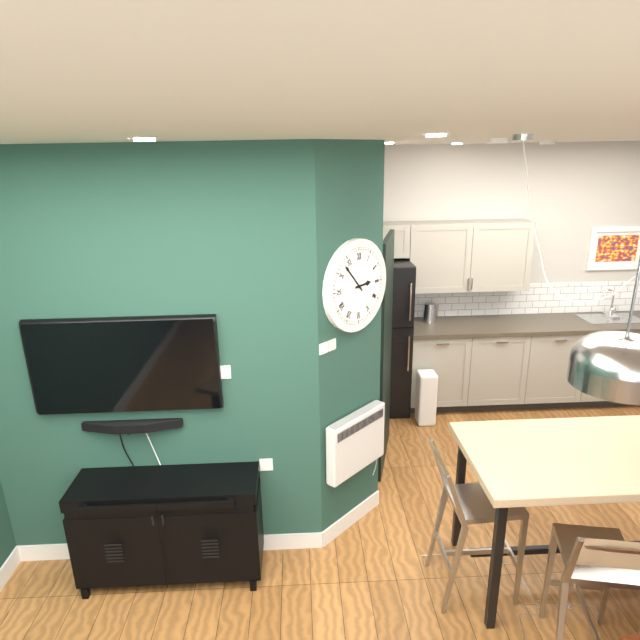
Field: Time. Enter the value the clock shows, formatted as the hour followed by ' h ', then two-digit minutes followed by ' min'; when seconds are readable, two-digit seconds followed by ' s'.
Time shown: 2 h 53 min
